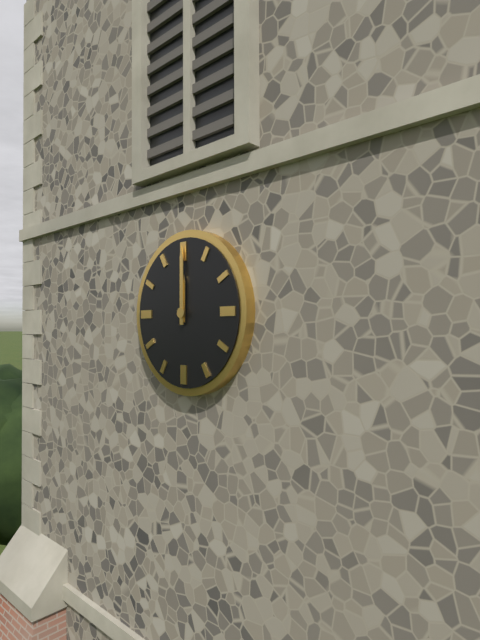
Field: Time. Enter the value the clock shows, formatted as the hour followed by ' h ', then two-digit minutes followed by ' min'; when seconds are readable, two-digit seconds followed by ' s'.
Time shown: 12 h 00 min
